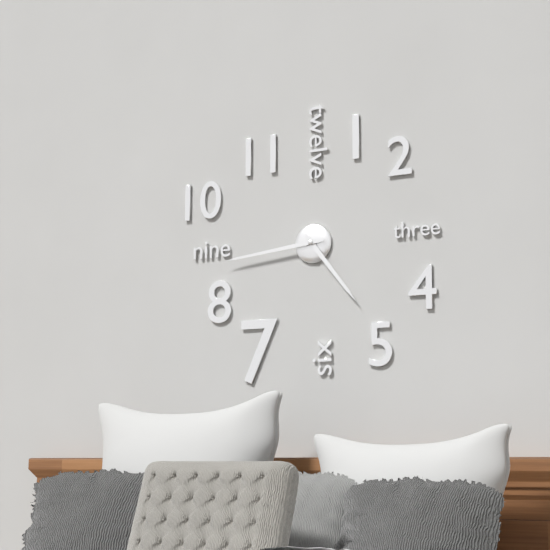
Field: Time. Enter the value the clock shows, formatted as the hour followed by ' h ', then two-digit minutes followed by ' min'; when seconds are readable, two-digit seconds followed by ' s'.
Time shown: 4 h 44 min
